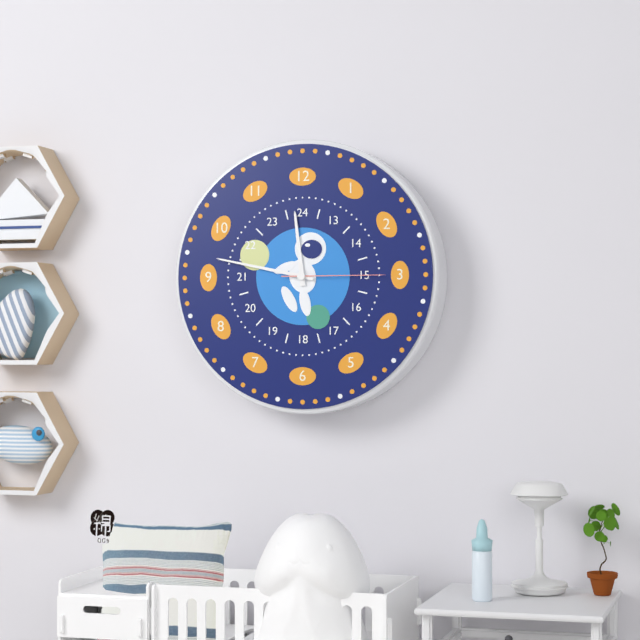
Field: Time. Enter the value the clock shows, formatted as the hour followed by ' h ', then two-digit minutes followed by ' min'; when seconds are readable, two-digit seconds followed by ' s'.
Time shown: 11 h 47 min 15 s
